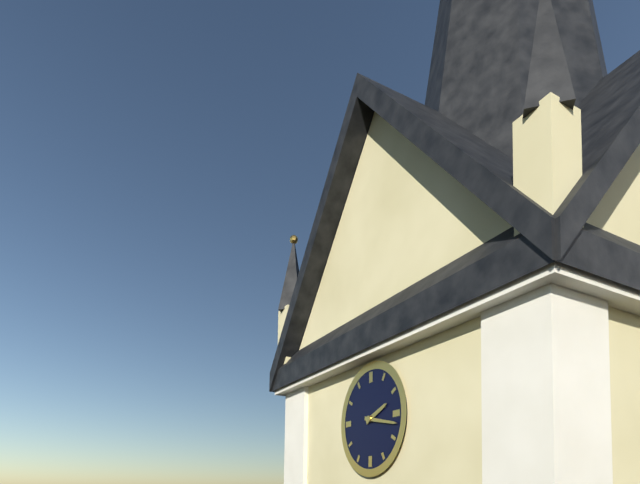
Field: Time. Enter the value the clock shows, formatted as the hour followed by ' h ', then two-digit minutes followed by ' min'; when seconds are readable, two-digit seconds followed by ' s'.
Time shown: 2 h 17 min
